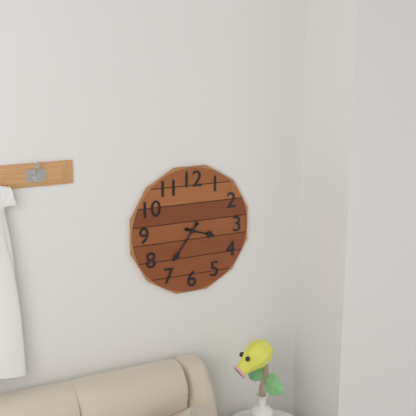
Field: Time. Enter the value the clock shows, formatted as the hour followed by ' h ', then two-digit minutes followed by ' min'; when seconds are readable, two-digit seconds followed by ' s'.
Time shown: 3 h 36 min
